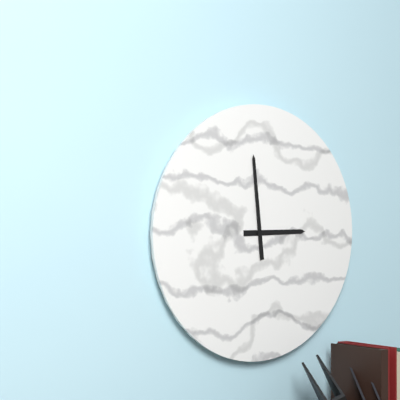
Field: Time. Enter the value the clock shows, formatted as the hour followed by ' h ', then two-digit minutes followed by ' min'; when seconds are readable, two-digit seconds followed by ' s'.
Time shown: 2 h 59 min
